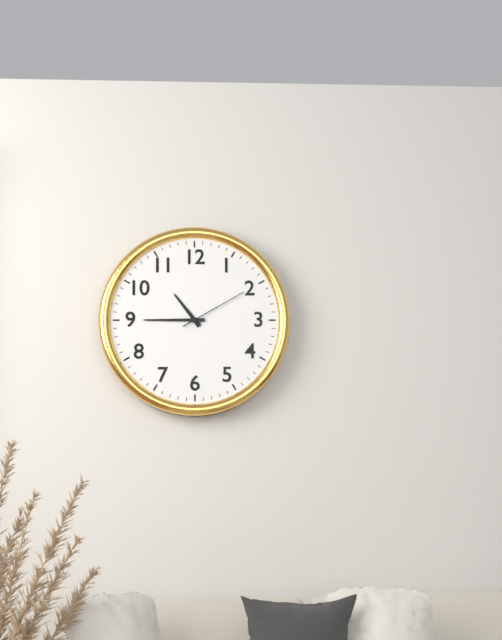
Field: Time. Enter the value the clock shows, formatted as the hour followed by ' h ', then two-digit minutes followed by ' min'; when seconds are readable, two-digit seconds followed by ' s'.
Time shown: 10 h 45 min 10 s
